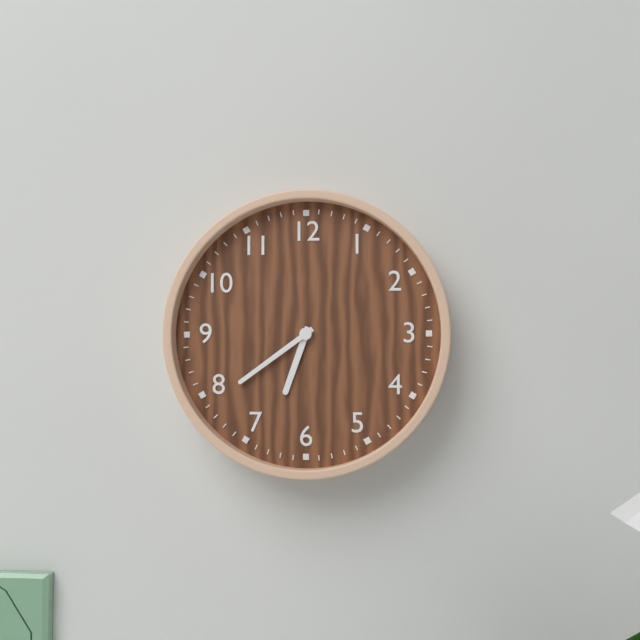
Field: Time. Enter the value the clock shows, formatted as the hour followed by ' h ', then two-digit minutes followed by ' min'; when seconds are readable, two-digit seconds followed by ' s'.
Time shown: 6 h 39 min
